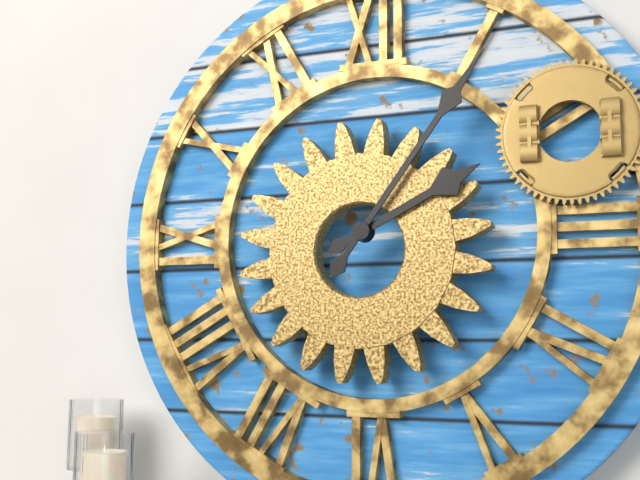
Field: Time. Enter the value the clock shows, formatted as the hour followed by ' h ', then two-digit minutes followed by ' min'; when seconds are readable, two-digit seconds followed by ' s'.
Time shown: 2 h 06 min
